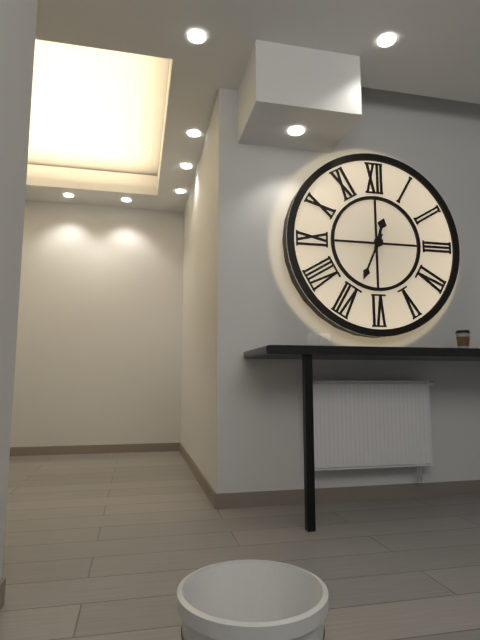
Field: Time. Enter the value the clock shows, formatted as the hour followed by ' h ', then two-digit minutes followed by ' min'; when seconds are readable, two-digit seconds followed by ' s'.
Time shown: 12 h 34 min
